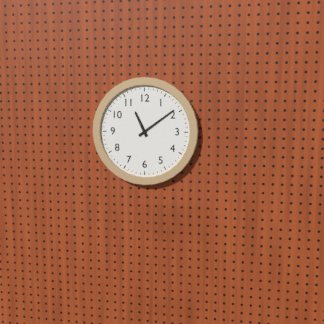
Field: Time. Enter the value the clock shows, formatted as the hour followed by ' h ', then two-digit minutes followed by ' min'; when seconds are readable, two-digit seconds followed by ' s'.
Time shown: 11 h 09 min
